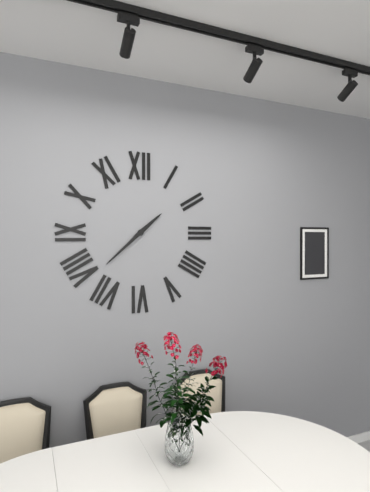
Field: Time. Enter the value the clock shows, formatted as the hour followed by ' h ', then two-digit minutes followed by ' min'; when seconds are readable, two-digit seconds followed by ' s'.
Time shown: 1 h 38 min
